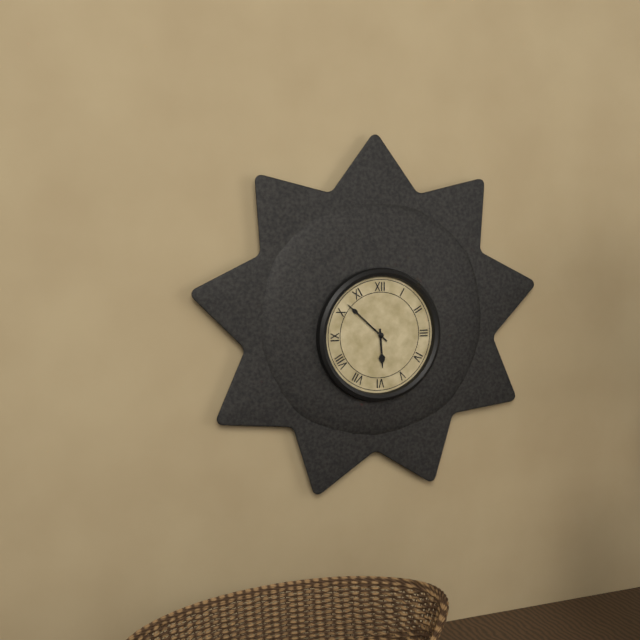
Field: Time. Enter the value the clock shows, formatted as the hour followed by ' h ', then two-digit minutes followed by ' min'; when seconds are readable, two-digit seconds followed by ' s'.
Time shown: 5 h 52 min
